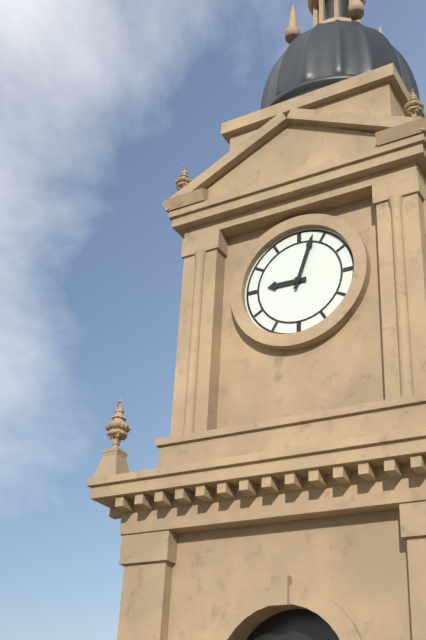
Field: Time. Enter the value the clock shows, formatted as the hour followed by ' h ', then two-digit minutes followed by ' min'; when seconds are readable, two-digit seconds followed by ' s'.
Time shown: 9 h 03 min
